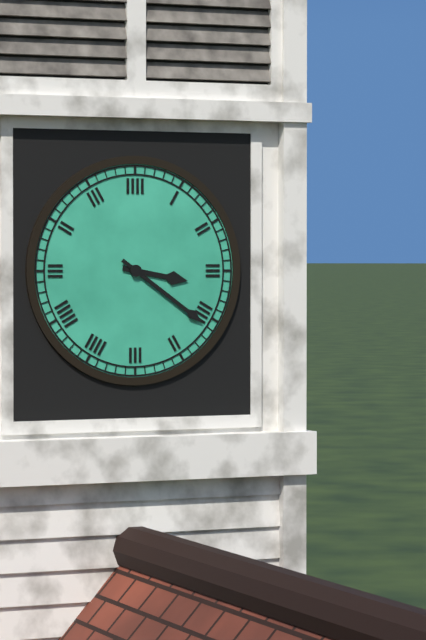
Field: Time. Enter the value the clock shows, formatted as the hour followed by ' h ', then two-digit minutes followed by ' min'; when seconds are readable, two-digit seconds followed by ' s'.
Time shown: 3 h 21 min
